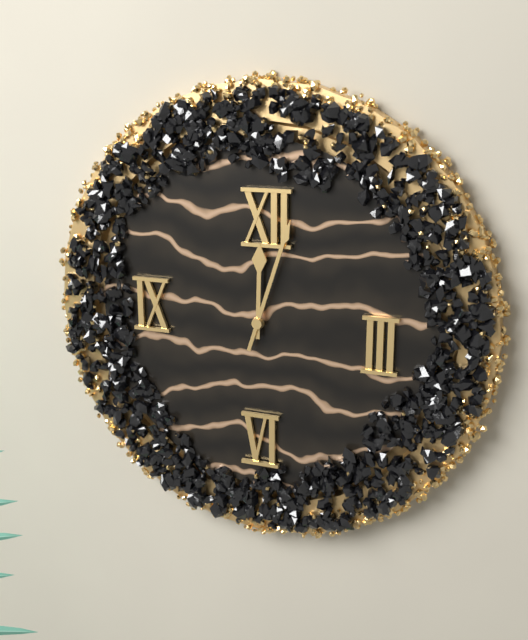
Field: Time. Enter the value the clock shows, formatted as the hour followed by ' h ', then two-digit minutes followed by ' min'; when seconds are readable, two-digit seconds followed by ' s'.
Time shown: 12 h 03 min
